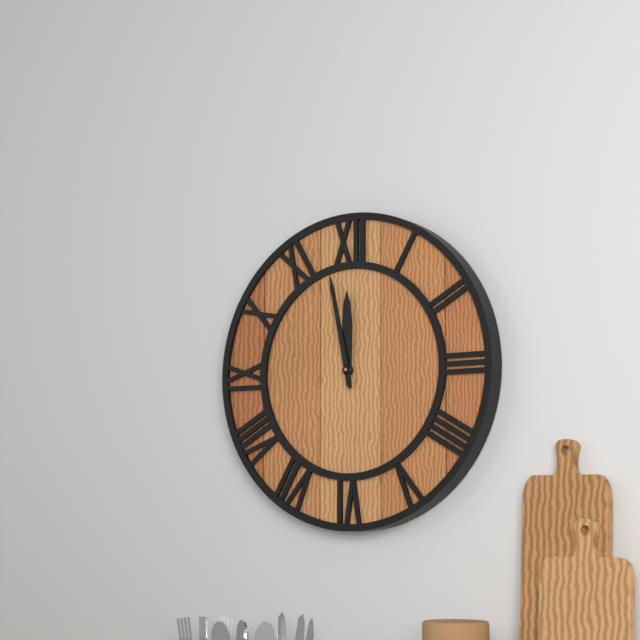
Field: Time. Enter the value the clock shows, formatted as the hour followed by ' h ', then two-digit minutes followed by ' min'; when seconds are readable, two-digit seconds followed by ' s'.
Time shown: 11 h 58 min
